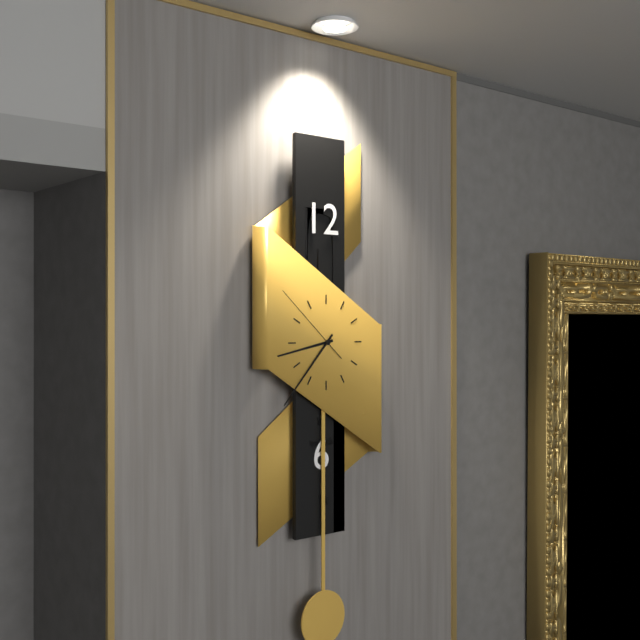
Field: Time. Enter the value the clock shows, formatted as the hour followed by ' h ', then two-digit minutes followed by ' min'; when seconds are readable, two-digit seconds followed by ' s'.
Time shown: 8 h 37 min 52 s
